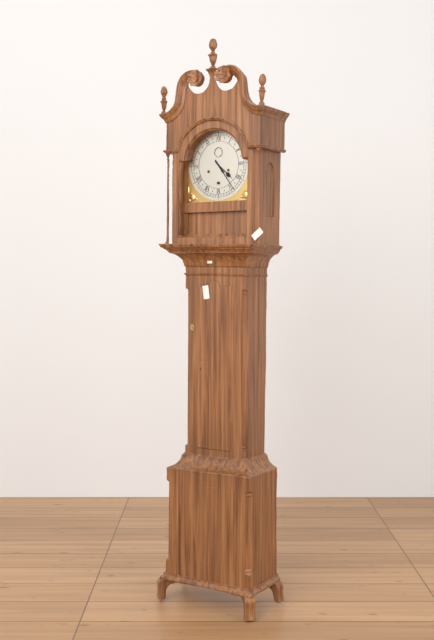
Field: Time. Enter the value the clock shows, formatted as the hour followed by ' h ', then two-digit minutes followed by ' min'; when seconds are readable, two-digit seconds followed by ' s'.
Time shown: 4 h 24 min
